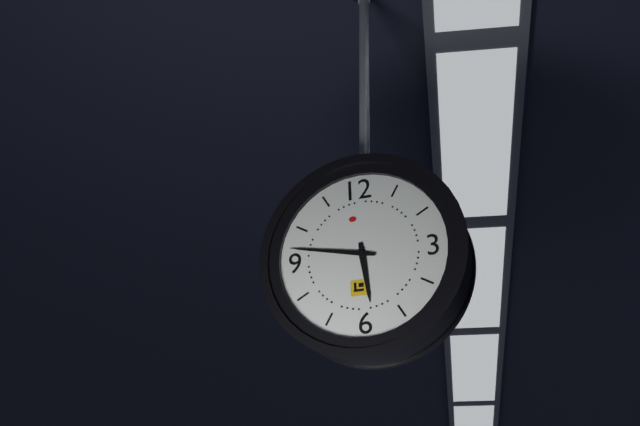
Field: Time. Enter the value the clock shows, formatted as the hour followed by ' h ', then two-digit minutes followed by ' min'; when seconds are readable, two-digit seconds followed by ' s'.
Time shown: 5 h 47 min
